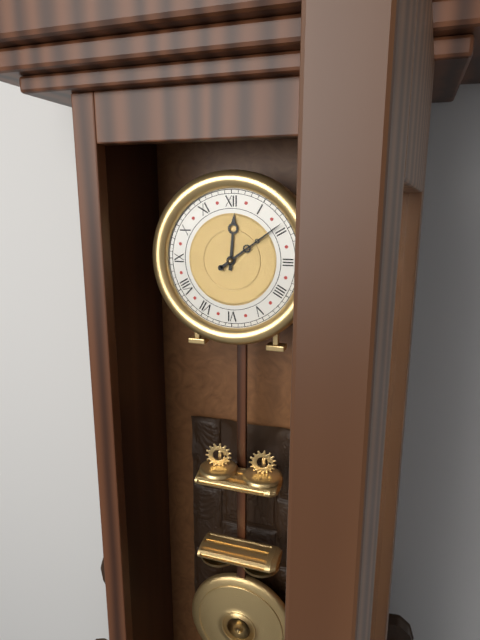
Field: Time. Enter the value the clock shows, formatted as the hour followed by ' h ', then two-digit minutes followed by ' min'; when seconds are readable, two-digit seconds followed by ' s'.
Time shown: 12 h 09 min
